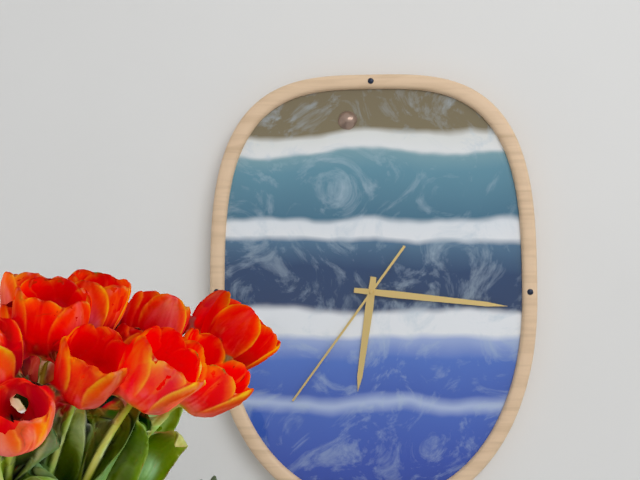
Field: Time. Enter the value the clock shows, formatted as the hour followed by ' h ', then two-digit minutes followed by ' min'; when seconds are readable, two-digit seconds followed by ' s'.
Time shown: 6 h 16 min 36 s
